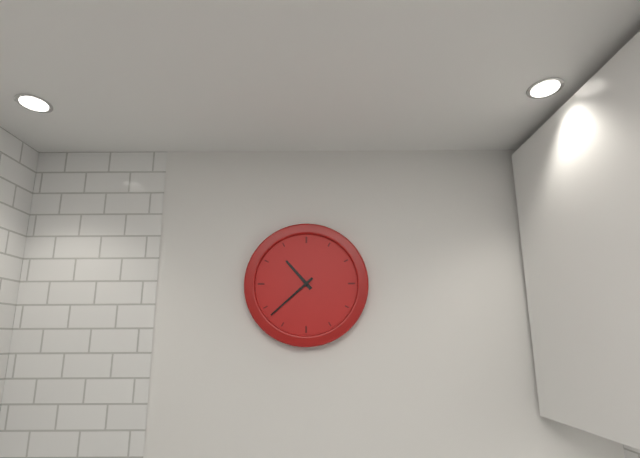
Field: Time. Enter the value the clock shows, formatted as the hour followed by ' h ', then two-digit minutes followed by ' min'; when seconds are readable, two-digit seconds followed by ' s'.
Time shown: 10 h 38 min
